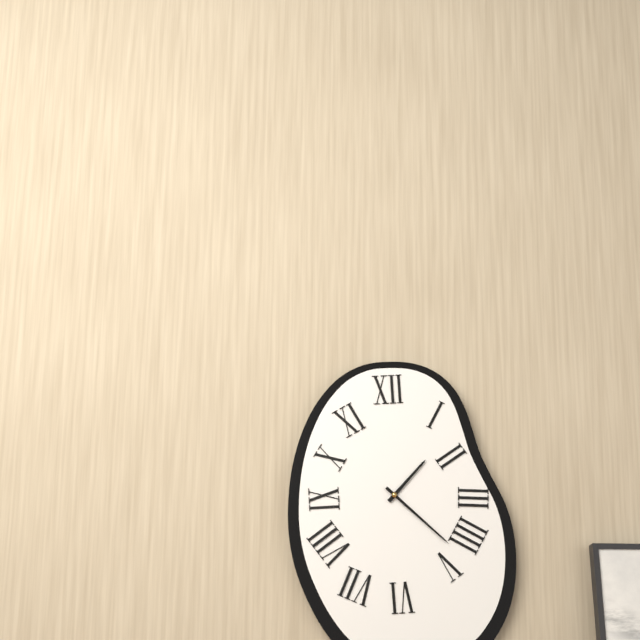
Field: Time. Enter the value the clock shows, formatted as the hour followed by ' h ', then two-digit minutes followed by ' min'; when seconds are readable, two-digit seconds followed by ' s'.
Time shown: 1 h 22 min
